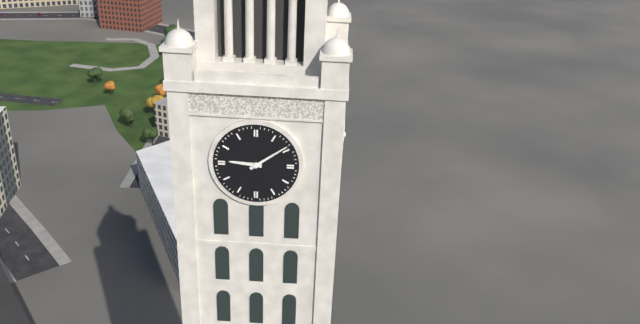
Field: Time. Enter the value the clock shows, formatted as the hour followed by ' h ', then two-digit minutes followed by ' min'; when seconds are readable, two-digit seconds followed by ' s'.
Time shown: 9 h 09 min
